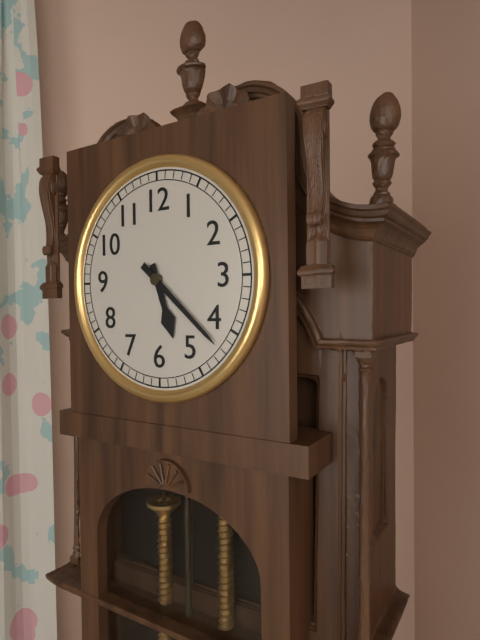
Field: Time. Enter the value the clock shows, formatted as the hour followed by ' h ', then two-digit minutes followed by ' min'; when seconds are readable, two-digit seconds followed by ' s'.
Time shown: 5 h 22 min
